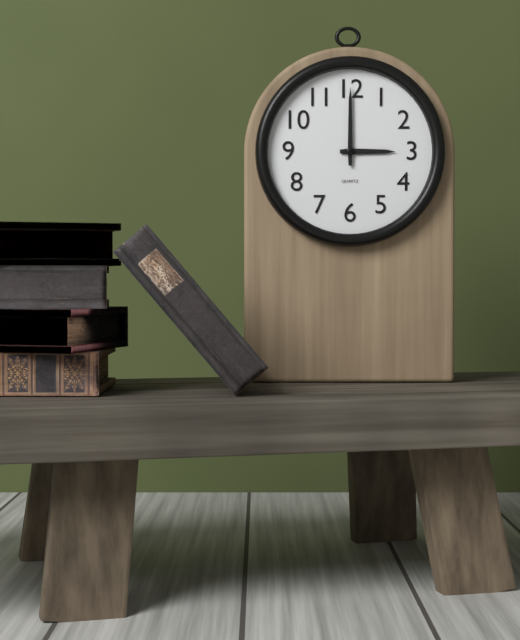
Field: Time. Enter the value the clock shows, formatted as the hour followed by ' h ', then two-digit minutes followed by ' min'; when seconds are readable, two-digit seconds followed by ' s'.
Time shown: 3 h 00 min
